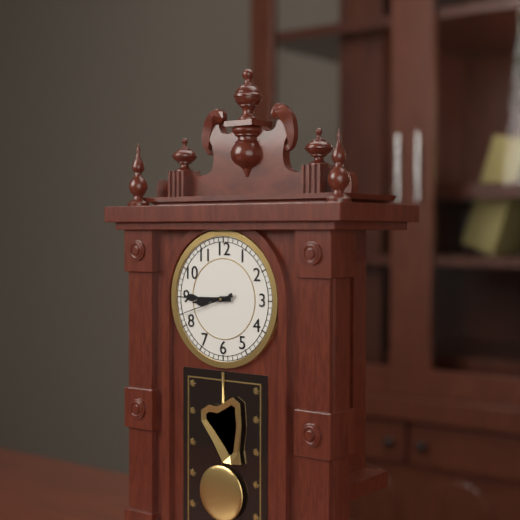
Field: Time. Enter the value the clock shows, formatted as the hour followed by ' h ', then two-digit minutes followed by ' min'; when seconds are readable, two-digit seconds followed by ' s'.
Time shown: 8 h 45 min 42 s
